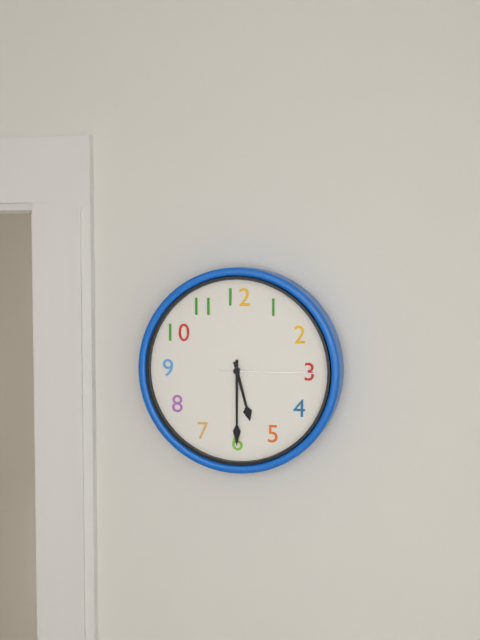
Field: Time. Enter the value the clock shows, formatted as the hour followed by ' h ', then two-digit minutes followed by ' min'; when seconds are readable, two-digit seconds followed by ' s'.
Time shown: 5 h 30 min 15 s
